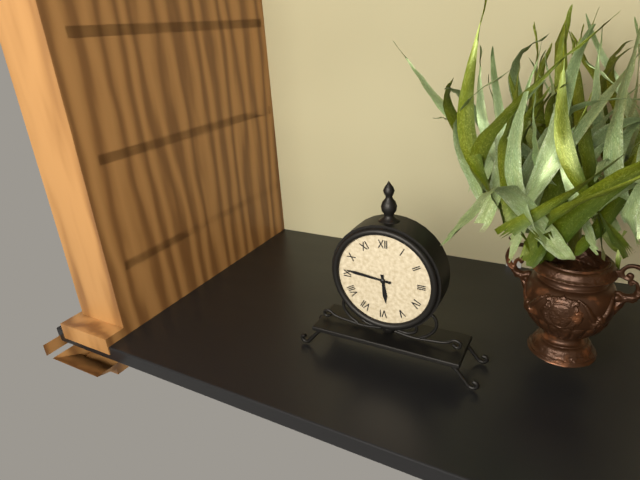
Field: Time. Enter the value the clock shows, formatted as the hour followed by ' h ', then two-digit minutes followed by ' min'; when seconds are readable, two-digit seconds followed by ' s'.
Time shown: 5 h 46 min
